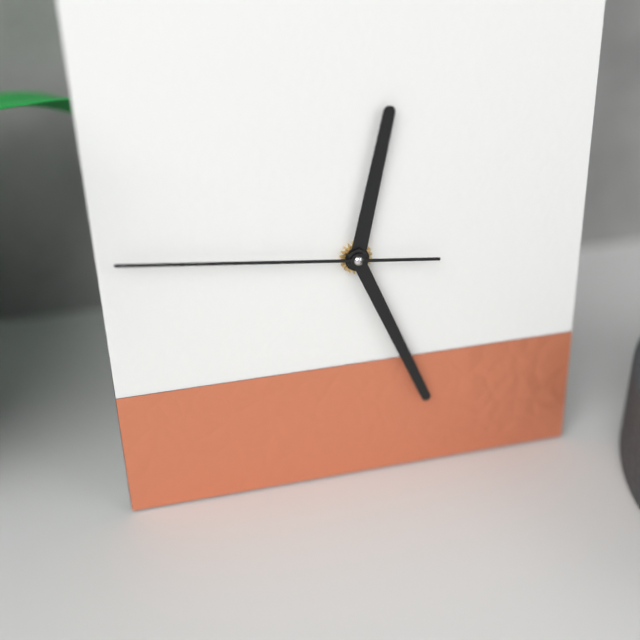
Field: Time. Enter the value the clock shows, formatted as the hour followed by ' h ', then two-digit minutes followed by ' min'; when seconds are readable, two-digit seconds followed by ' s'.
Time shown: 12 h 26 min 46 s
